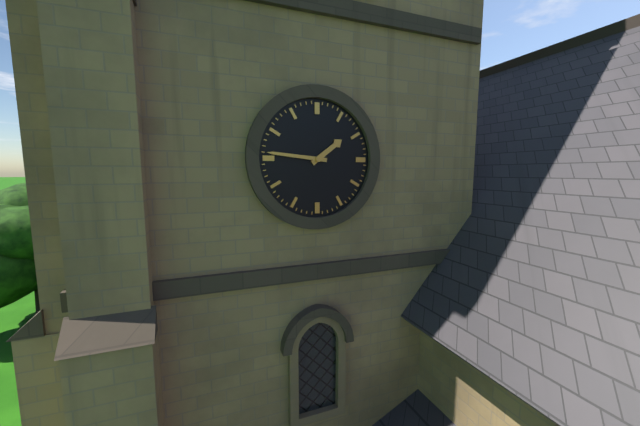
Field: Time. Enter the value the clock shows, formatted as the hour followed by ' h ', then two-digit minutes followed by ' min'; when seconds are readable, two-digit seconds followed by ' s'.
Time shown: 1 h 46 min
